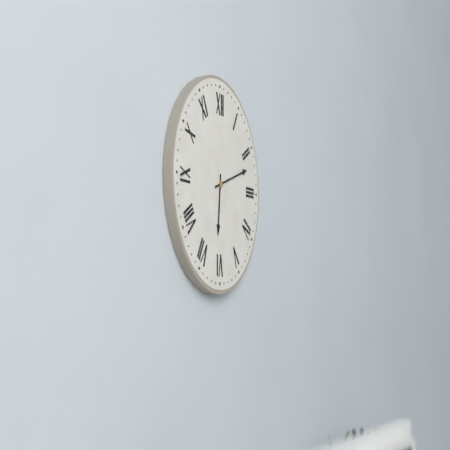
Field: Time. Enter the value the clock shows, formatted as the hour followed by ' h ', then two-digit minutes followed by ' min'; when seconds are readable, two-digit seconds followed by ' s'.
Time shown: 6 h 12 min
